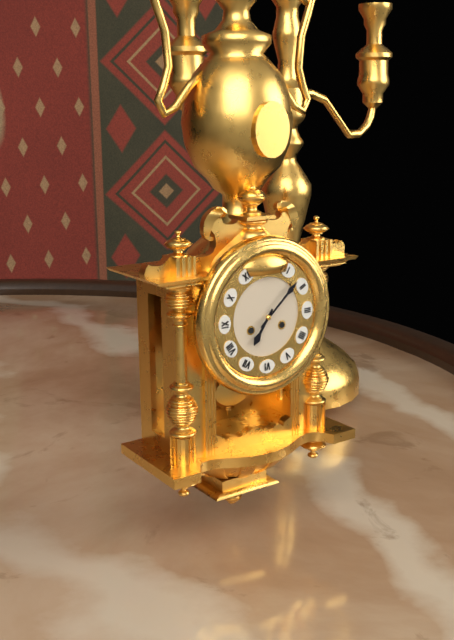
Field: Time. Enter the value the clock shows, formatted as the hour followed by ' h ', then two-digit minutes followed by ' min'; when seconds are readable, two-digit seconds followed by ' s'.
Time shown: 7 h 08 min
